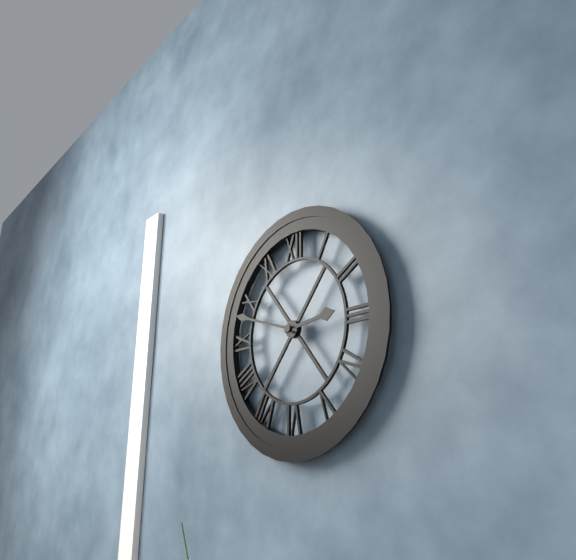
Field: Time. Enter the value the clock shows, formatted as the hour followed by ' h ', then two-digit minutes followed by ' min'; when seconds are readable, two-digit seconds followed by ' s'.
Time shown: 2 h 48 min
